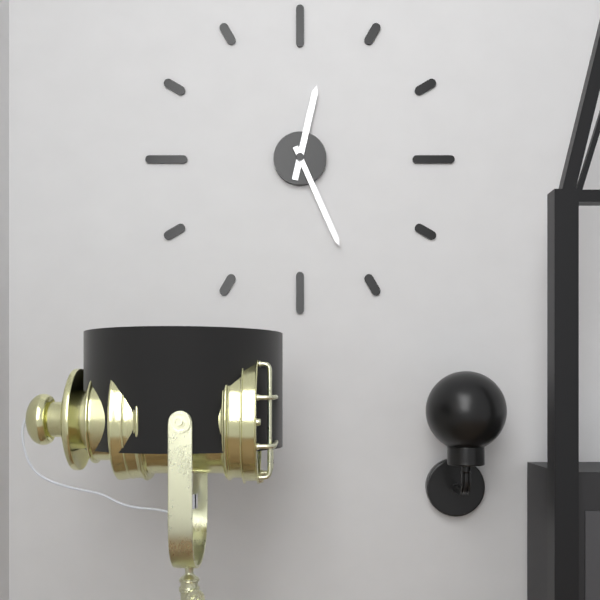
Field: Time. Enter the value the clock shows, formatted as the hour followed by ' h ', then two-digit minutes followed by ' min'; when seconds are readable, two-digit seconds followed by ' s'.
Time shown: 12 h 26 min
